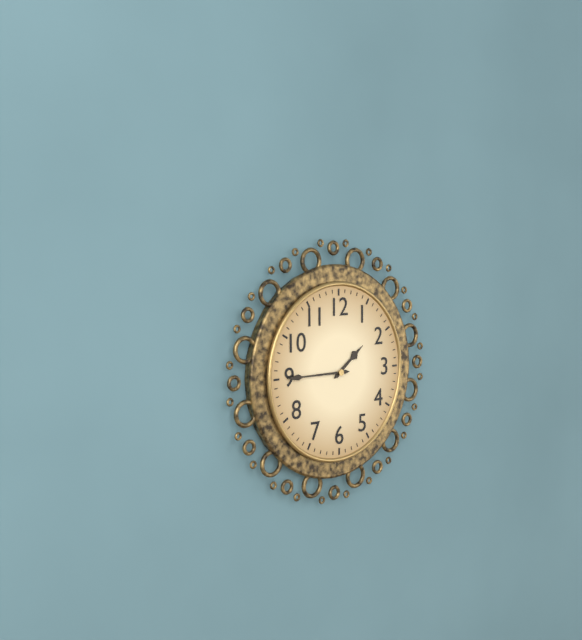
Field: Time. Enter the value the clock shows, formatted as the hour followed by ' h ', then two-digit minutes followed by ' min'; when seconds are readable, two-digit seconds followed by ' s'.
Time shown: 1 h 45 min
